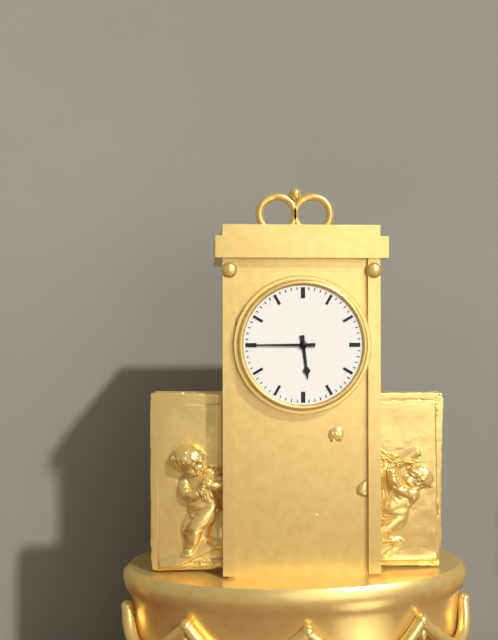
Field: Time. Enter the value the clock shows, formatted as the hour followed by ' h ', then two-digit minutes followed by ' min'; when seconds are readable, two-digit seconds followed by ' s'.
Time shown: 5 h 45 min
